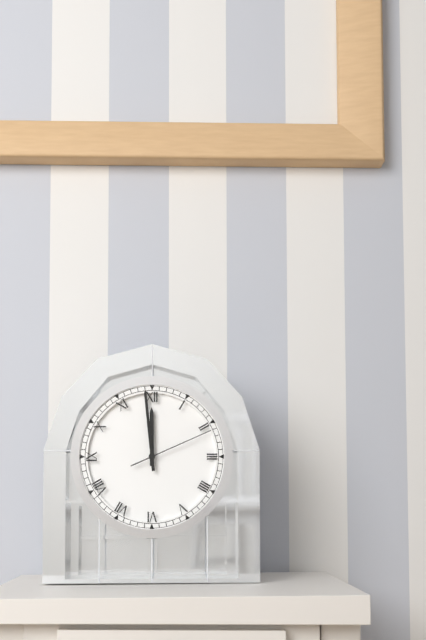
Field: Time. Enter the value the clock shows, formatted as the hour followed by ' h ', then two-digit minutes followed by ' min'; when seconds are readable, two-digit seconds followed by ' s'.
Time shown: 11 h 59 min 11 s
